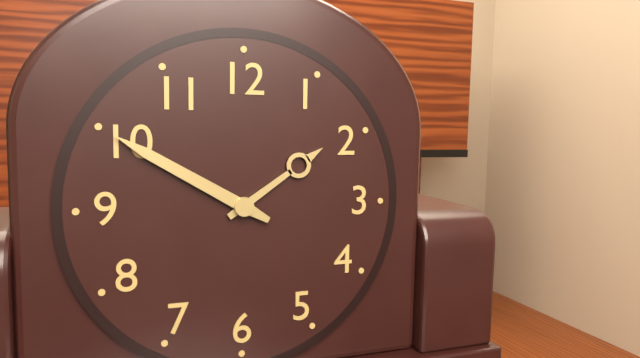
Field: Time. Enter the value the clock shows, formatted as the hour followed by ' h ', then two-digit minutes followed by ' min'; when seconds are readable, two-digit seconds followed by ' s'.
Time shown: 1 h 50 min
